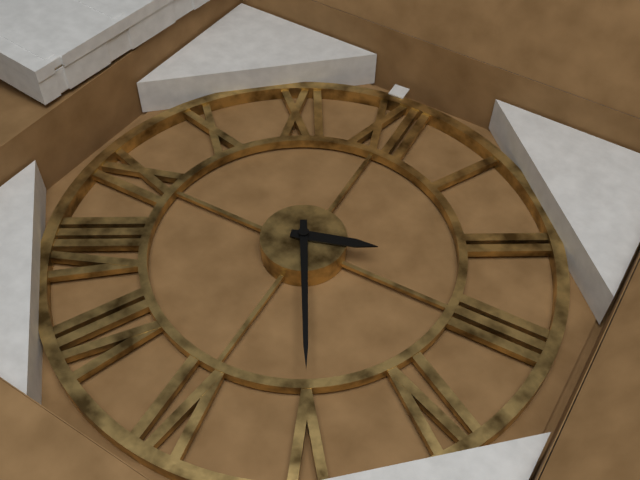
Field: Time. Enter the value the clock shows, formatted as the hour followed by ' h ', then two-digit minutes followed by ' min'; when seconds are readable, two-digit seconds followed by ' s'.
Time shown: 2 h 25 min
